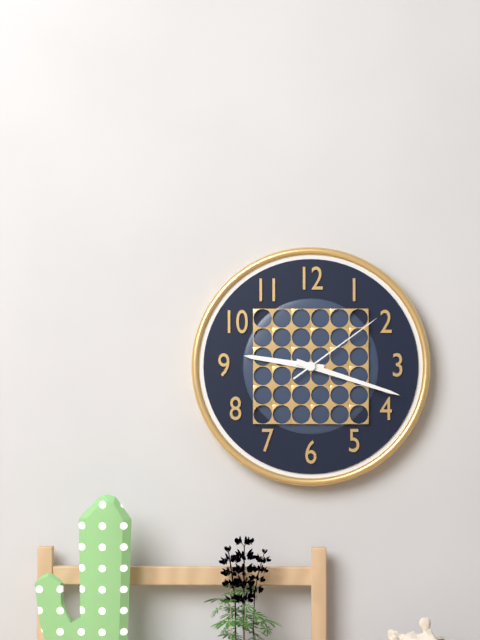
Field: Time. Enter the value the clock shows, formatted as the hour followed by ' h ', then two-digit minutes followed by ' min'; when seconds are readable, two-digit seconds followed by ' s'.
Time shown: 9 h 18 min 09 s
